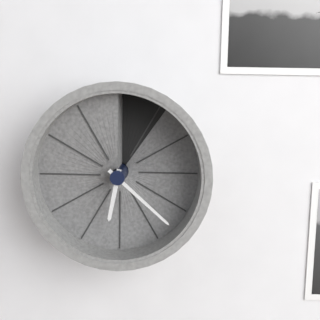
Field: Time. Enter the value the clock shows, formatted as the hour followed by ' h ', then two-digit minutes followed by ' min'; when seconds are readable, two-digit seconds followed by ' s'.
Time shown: 6 h 22 min
